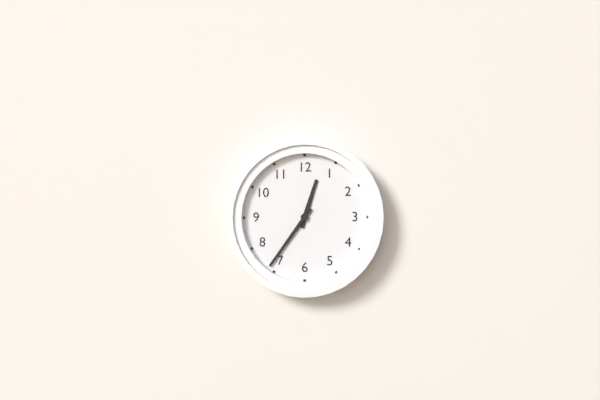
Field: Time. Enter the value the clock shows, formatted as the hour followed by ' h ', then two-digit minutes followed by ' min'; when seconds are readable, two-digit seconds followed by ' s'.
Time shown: 12 h 36 min
